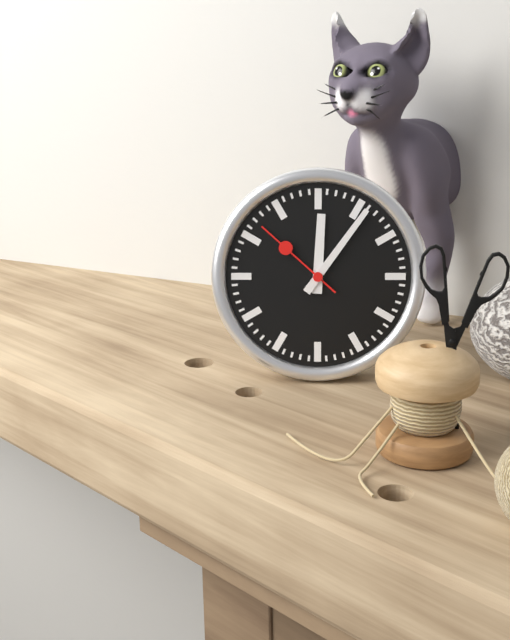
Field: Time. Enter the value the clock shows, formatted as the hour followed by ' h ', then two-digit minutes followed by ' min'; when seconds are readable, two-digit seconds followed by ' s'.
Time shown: 12 h 06 min 52 s
